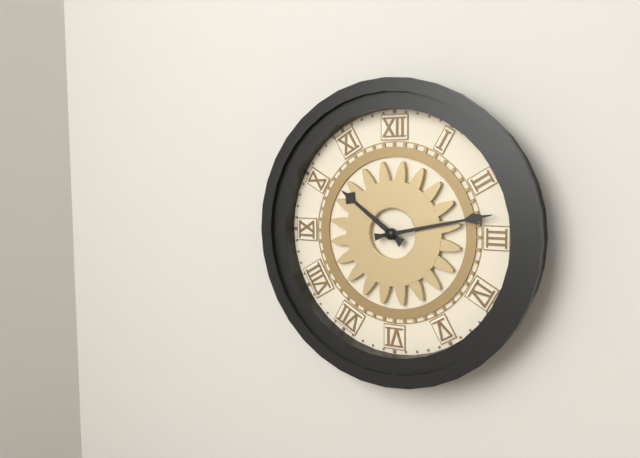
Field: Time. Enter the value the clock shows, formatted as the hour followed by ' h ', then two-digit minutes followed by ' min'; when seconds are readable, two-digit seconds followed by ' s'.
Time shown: 10 h 13 min
